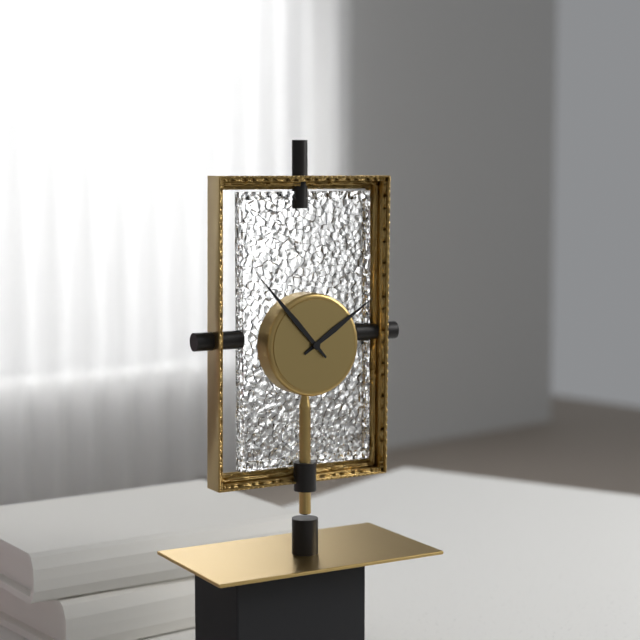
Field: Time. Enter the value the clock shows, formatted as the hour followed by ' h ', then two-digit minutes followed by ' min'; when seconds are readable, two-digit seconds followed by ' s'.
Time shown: 1 h 53 min
